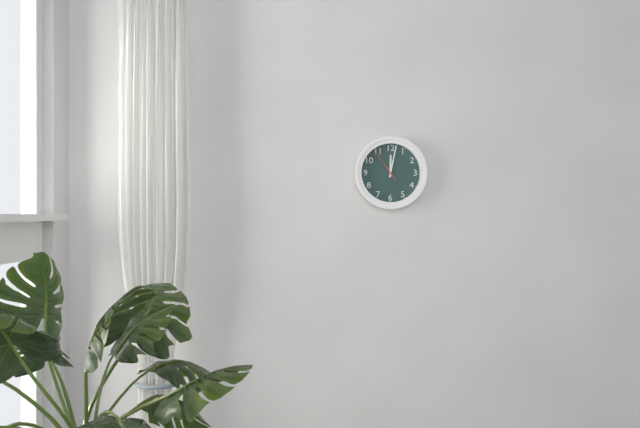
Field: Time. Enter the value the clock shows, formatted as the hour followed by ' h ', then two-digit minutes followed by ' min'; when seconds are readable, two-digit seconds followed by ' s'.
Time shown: 12 h 02 min
